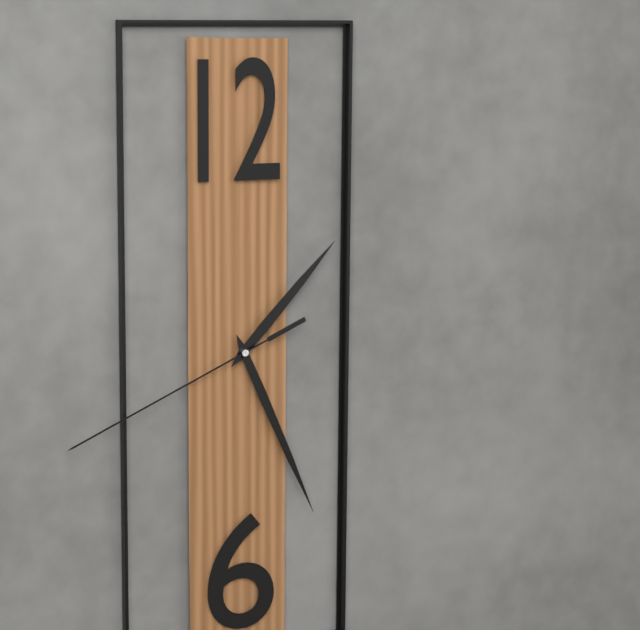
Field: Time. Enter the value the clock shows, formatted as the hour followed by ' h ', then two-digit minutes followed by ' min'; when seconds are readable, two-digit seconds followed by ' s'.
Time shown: 1 h 26 min 41 s
